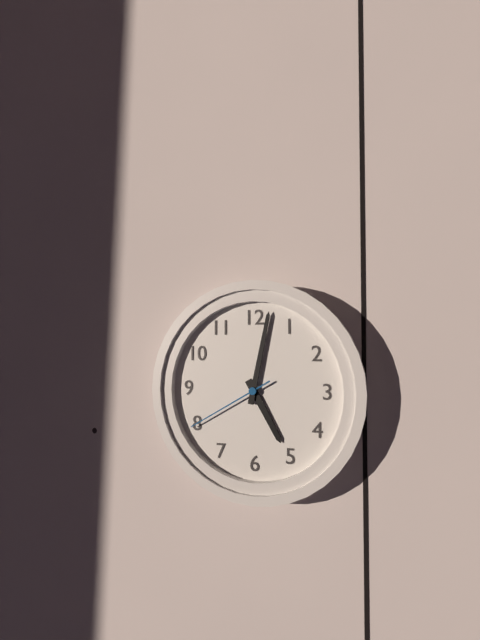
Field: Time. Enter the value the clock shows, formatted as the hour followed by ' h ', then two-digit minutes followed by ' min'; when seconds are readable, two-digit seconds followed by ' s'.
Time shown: 5 h 02 min 40 s
